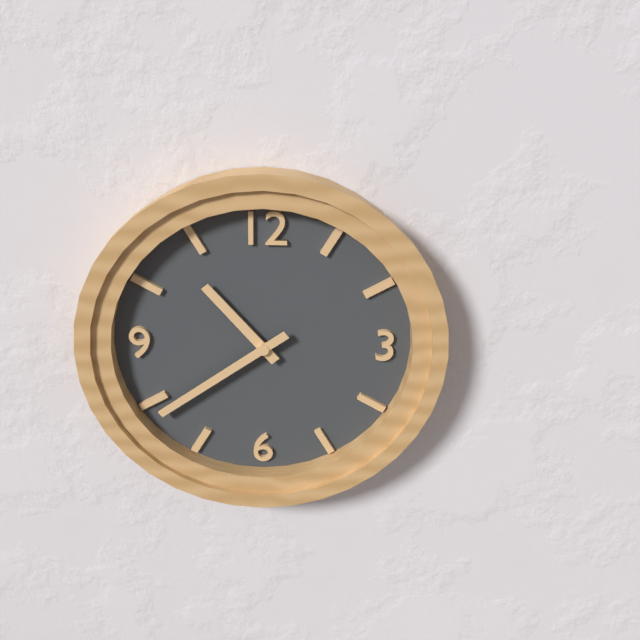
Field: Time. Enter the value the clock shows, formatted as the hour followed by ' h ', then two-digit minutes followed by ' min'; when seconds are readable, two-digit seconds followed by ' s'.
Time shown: 10 h 39 min
